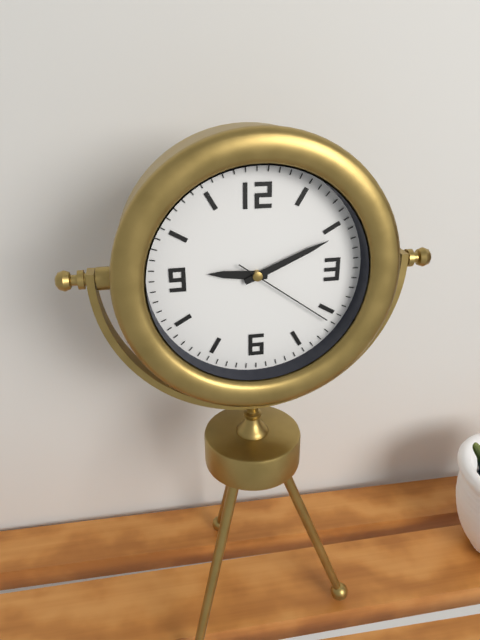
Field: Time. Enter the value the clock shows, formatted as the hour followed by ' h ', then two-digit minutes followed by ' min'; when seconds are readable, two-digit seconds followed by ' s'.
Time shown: 9 h 11 min 21 s
